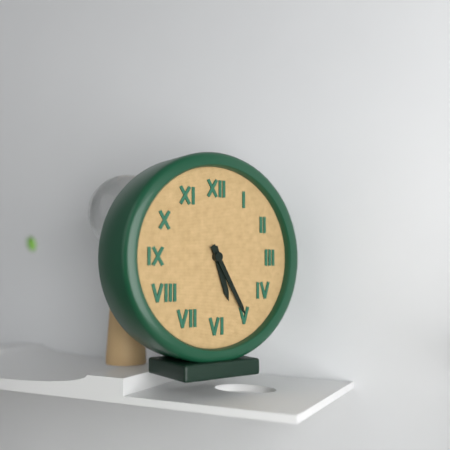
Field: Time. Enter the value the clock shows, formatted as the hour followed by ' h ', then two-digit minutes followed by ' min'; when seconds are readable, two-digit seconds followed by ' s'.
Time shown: 5 h 25 min
